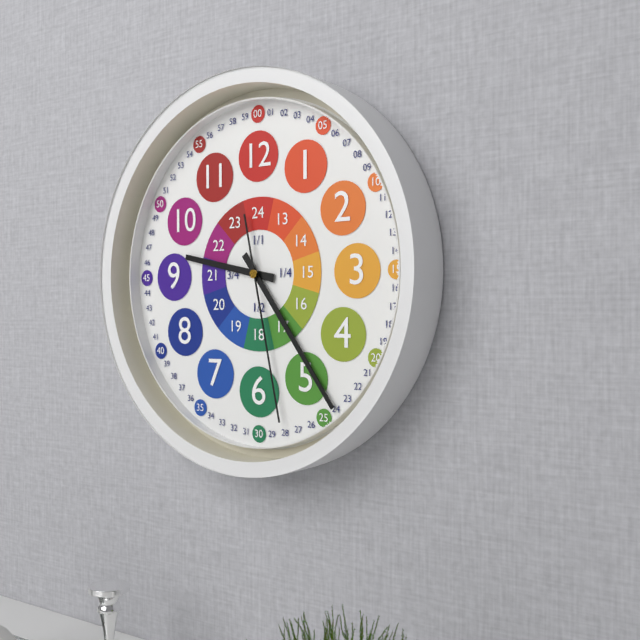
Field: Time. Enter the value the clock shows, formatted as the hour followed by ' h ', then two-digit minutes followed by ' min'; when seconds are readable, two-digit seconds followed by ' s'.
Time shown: 9 h 24 min 28 s
